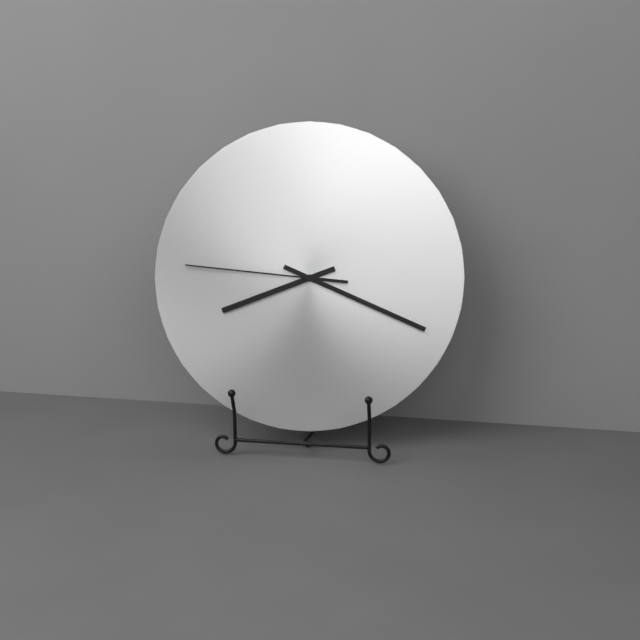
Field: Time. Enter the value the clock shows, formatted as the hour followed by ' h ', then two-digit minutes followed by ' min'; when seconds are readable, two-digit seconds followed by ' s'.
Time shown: 8 h 19 min 46 s
